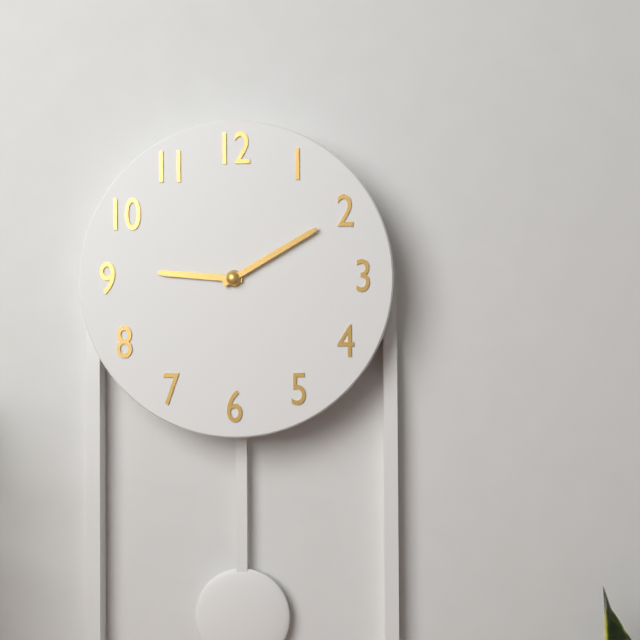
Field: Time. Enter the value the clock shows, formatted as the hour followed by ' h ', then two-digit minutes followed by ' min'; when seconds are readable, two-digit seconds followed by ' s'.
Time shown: 9 h 10 min
